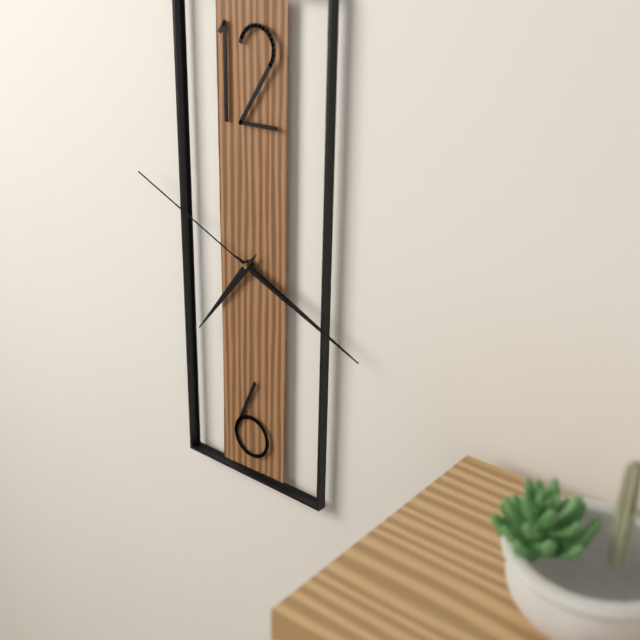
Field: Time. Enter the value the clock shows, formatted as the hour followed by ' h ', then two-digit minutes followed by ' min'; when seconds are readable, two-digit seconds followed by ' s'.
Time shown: 7 h 19 min 49 s
